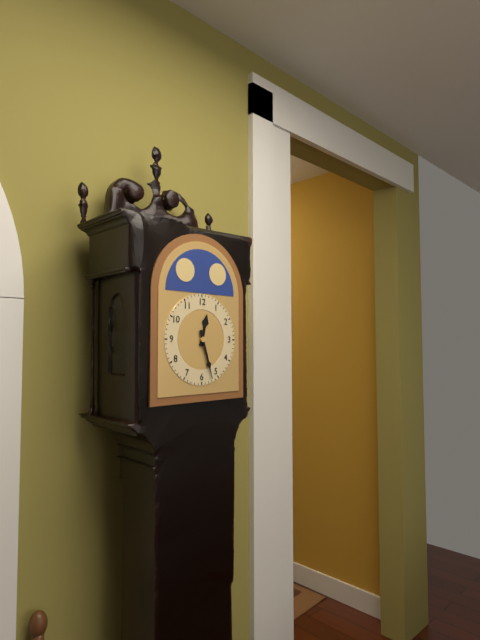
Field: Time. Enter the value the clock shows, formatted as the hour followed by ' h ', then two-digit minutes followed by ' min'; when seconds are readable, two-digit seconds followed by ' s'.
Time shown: 12 h 27 min
